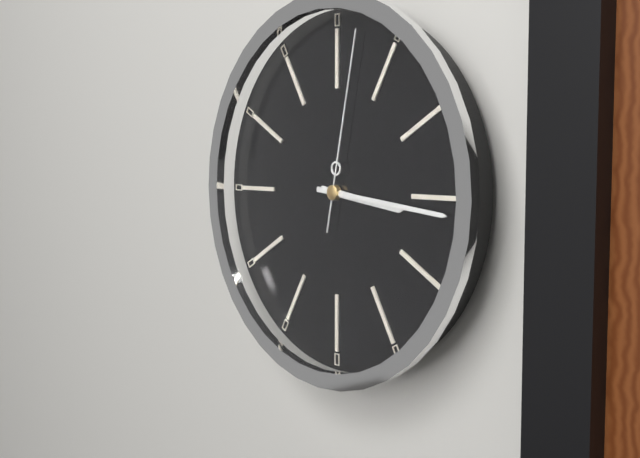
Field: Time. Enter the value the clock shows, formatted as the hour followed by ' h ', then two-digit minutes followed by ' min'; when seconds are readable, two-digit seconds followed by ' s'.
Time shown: 3 h 16 min 02 s
